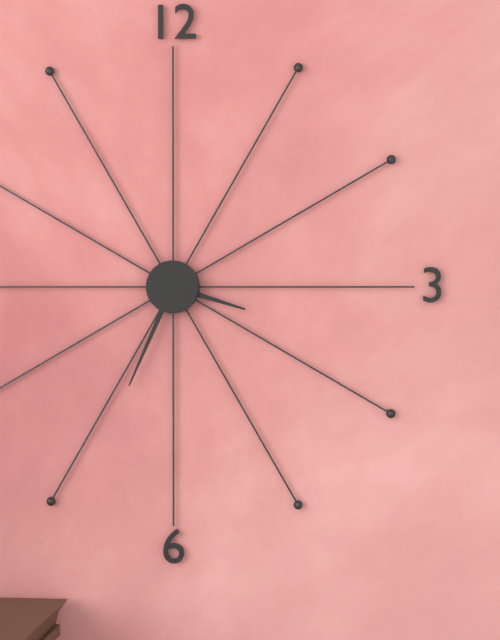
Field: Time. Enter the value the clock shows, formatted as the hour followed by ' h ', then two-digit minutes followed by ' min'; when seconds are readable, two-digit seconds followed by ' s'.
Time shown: 3 h 34 min
